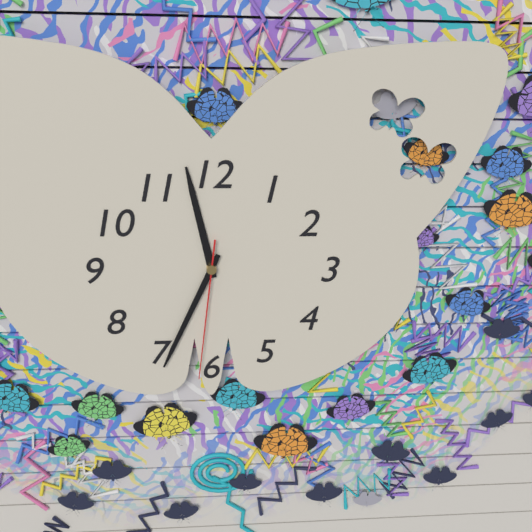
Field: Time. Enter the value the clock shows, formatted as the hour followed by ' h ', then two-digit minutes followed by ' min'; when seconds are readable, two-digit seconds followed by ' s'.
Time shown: 11 h 34 min 31 s
